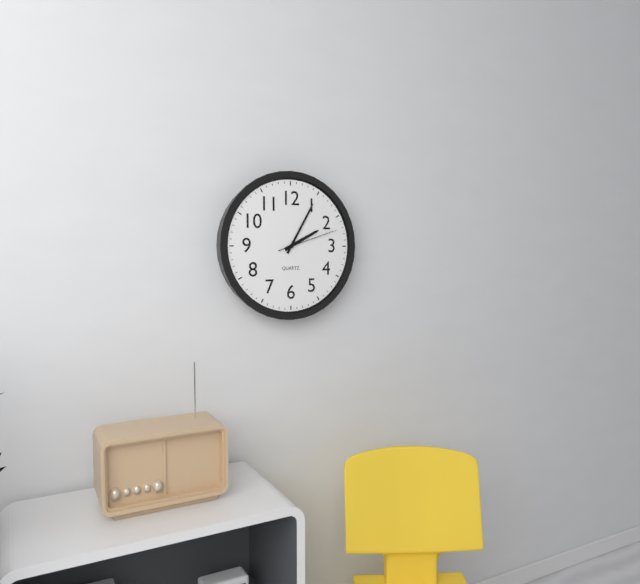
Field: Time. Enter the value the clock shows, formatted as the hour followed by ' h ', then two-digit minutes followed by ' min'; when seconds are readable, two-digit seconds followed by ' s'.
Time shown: 2 h 05 min 12 s
